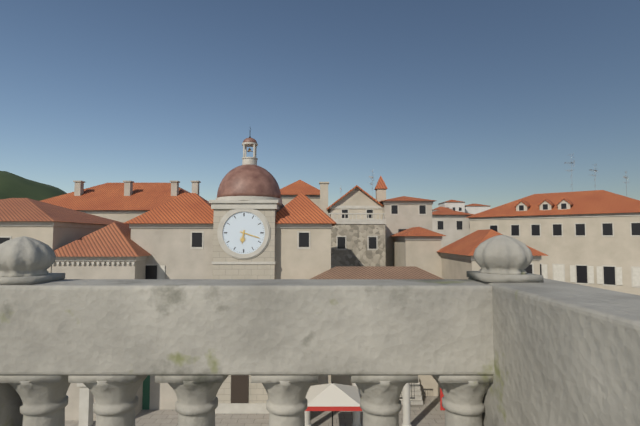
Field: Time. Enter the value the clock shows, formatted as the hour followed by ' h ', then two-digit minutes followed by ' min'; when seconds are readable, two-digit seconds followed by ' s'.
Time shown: 6 h 18 min
